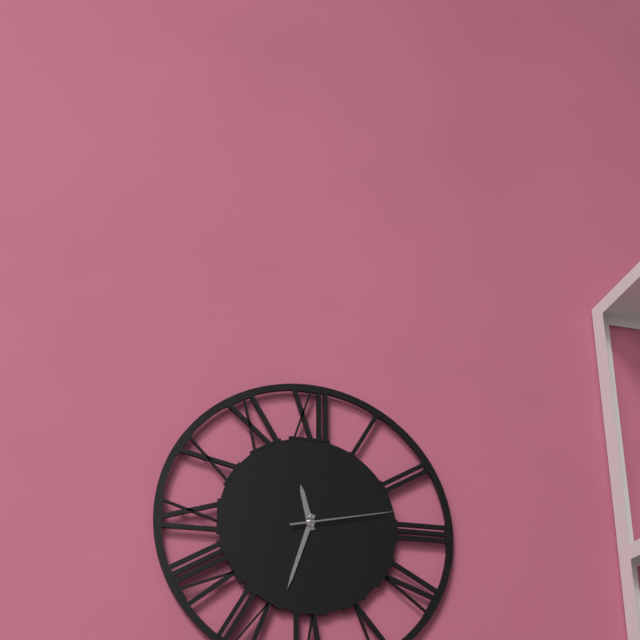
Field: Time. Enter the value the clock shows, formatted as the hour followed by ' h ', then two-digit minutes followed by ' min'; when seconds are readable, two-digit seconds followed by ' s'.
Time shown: 11 h 33 min 13 s
